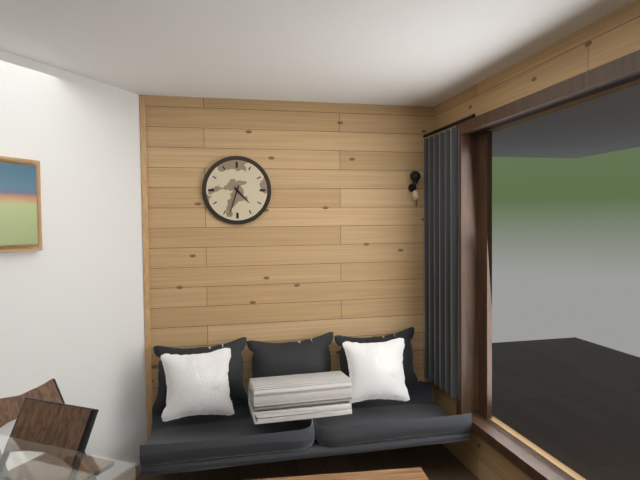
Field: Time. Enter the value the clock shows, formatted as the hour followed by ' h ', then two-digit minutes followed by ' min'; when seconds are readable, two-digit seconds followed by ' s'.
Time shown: 4 h 33 min
